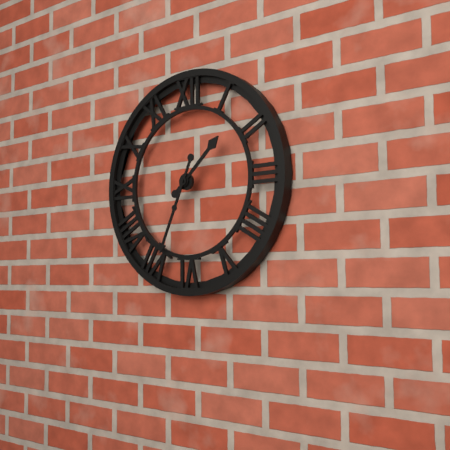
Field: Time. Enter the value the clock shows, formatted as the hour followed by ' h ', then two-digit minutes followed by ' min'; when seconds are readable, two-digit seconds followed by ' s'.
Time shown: 1 h 34 min
